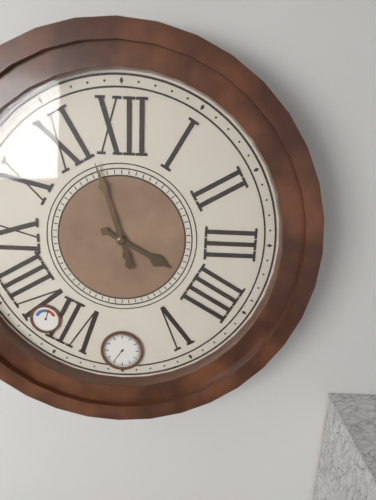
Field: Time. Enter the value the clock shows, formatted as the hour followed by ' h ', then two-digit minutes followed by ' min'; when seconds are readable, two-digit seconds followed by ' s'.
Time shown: 3 h 57 min
